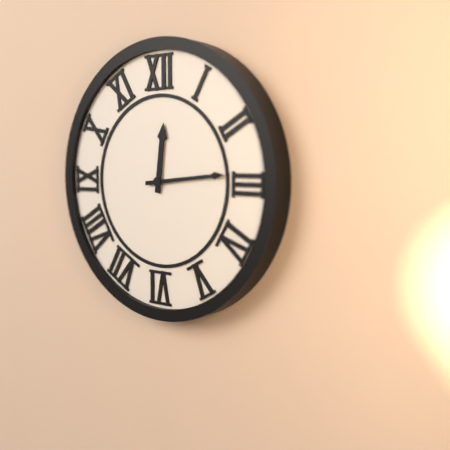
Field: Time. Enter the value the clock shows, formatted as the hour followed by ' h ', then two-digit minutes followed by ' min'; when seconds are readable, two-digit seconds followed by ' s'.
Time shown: 12 h 14 min
